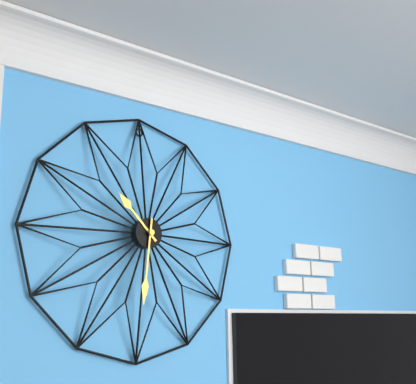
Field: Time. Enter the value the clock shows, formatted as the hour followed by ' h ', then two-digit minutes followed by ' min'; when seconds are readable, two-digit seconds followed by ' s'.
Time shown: 10 h 31 min
